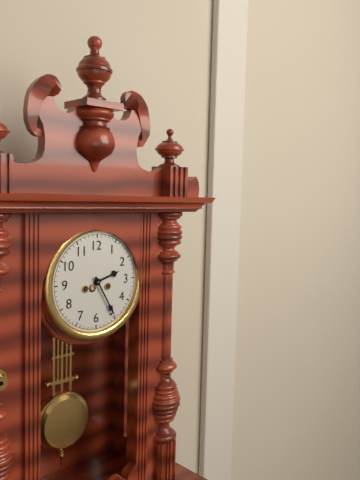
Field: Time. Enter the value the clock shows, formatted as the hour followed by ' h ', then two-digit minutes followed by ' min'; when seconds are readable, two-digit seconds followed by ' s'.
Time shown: 2 h 25 min
